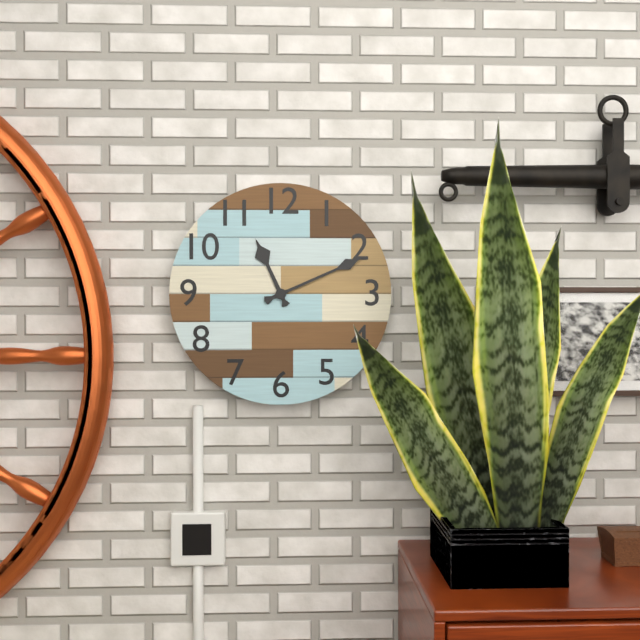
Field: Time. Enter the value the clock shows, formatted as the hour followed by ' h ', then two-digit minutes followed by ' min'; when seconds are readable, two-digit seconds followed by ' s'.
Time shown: 11 h 11 min
